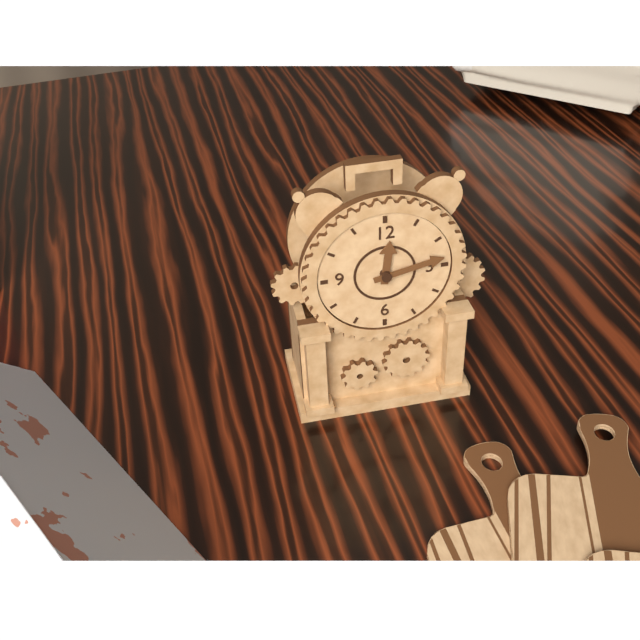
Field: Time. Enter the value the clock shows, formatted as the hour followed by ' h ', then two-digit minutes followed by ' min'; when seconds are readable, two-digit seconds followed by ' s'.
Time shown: 12 h 13 min
